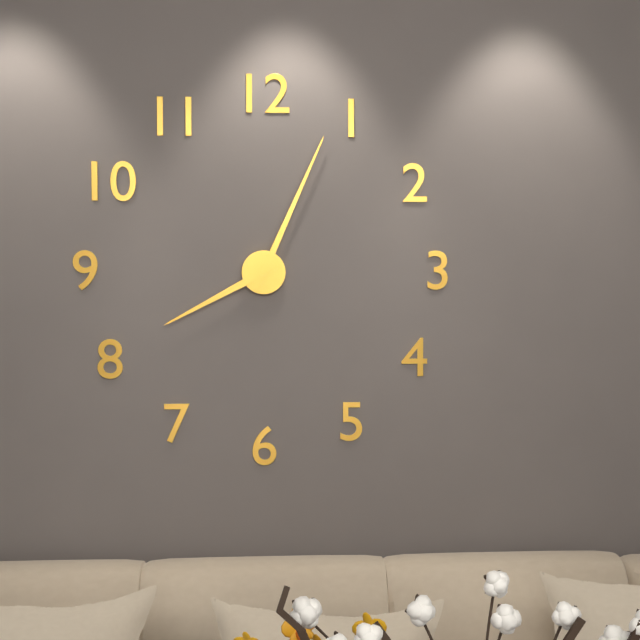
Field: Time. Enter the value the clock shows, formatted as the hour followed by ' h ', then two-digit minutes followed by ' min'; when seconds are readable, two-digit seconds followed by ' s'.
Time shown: 8 h 04 min
